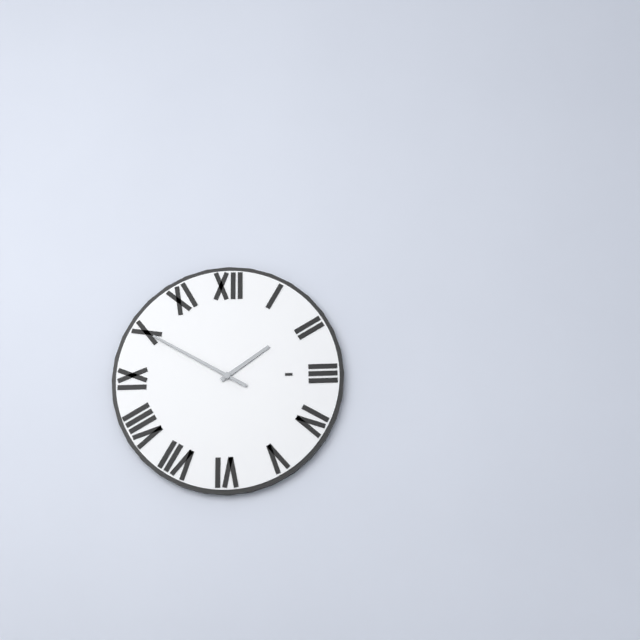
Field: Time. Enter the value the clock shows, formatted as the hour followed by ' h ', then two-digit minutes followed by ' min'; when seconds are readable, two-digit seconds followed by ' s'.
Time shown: 1 h 50 min
